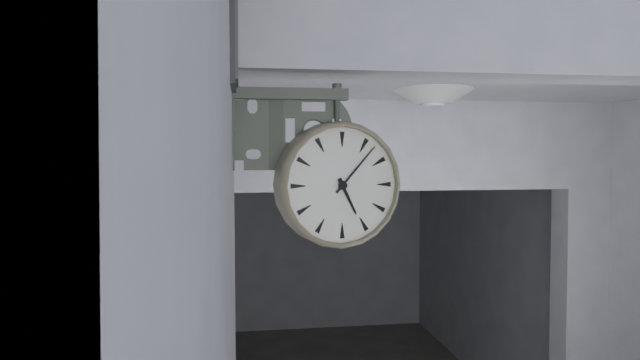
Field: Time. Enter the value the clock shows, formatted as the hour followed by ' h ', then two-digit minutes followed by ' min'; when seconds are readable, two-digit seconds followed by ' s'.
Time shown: 5 h 07 min
